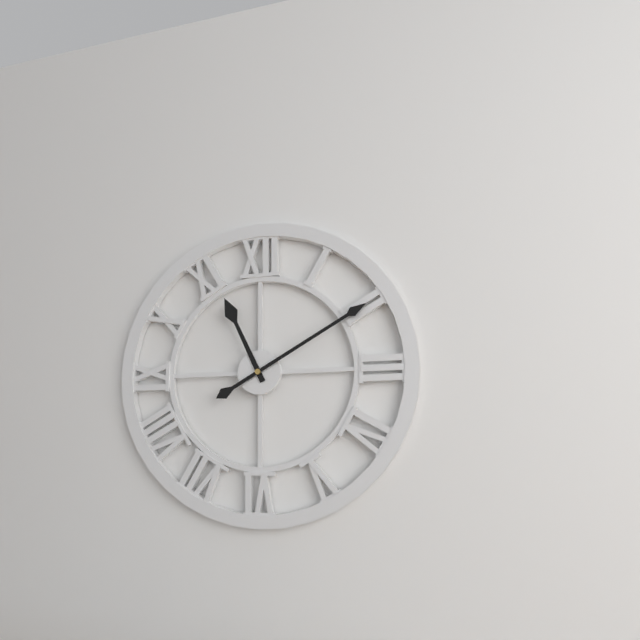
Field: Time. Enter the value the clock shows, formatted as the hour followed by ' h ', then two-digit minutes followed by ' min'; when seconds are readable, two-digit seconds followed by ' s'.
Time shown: 11 h 10 min
